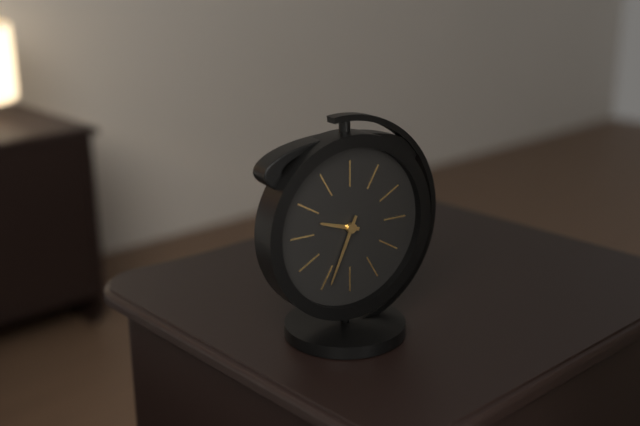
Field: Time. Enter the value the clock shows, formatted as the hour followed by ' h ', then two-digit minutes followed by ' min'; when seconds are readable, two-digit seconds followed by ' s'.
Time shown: 9 h 34 min
